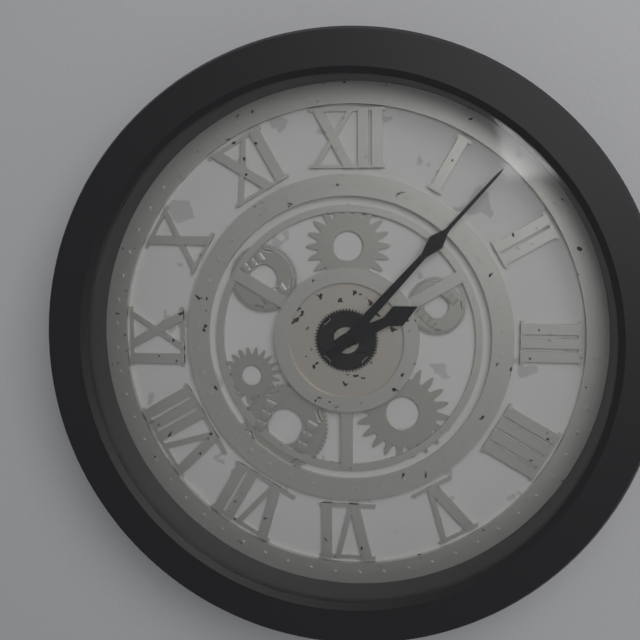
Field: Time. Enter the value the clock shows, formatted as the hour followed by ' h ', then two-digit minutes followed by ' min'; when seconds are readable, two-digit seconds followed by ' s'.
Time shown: 2 h 07 min
